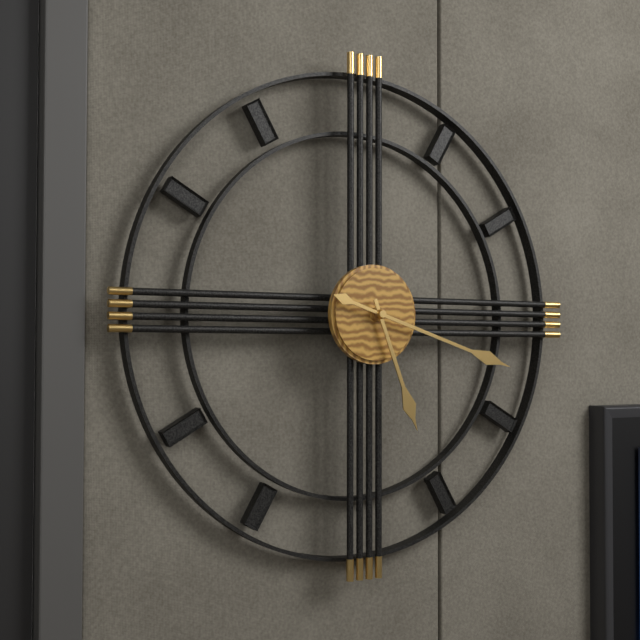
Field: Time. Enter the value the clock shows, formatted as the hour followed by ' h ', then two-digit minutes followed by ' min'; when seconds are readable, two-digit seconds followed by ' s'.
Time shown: 5 h 18 min
